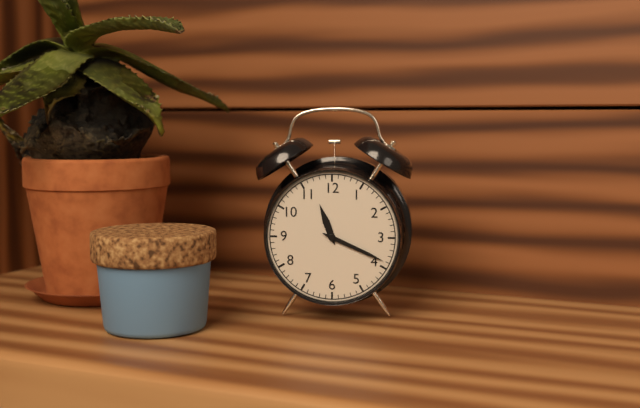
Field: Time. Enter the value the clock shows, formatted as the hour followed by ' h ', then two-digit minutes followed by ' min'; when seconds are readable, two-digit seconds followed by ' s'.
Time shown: 11 h 19 min
